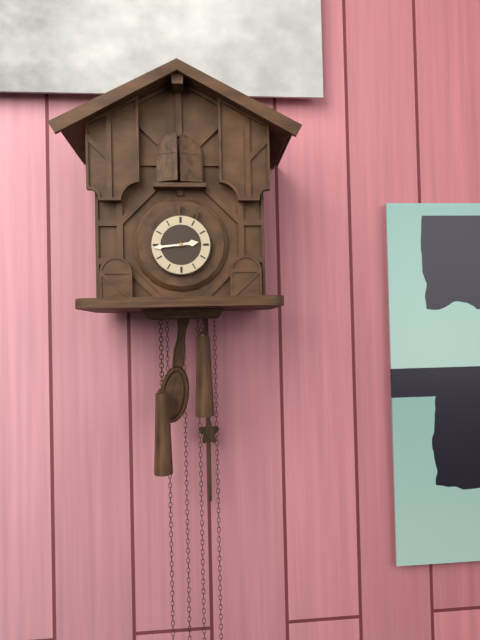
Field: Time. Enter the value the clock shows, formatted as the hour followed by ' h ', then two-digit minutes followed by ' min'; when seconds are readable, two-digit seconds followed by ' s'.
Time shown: 2 h 44 min
